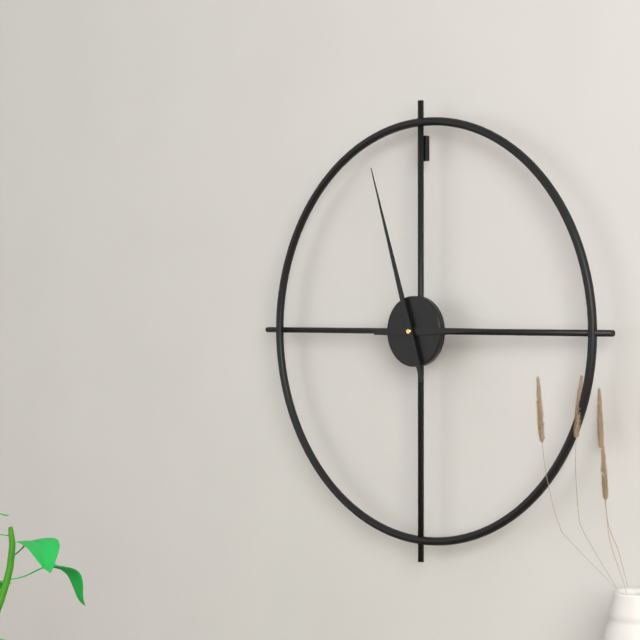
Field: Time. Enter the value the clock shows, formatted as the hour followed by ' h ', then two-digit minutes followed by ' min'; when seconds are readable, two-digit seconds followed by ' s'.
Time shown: 2 h 57 min
